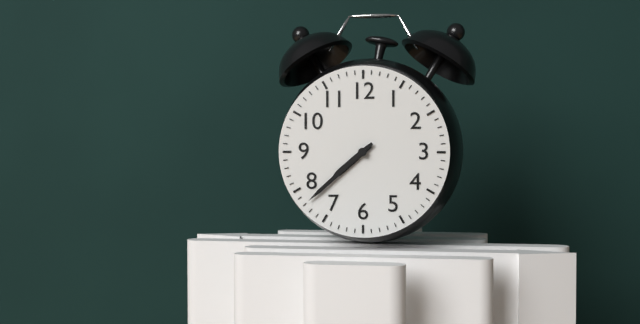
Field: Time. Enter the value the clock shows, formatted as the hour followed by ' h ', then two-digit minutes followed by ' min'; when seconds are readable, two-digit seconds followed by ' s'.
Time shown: 7 h 38 min
